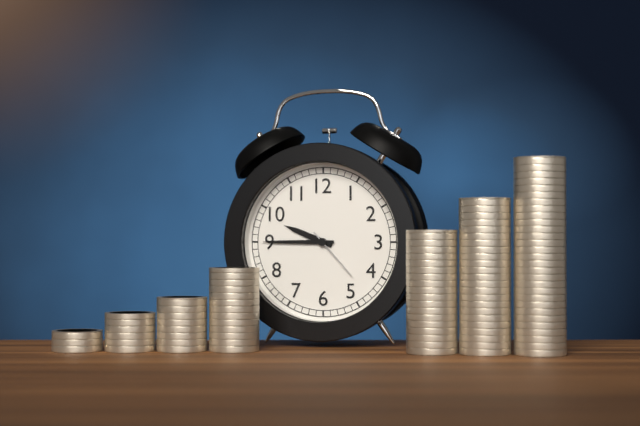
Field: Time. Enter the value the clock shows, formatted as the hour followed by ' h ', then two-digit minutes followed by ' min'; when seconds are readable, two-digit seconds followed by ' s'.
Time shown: 9 h 45 min 23 s
